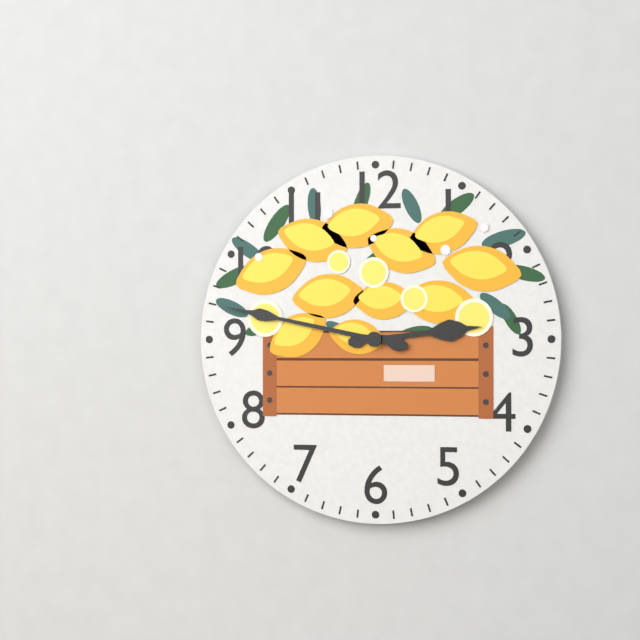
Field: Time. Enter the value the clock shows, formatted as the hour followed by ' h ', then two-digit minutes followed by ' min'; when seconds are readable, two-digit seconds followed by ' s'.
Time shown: 2 h 47 min
